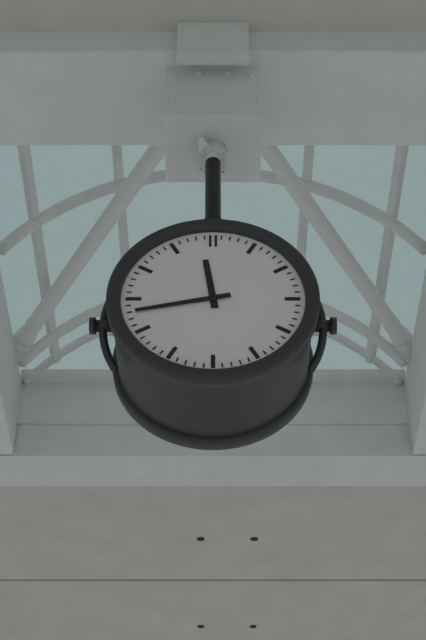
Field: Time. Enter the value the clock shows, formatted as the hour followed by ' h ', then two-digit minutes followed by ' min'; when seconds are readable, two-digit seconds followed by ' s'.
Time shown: 11 h 43 min
